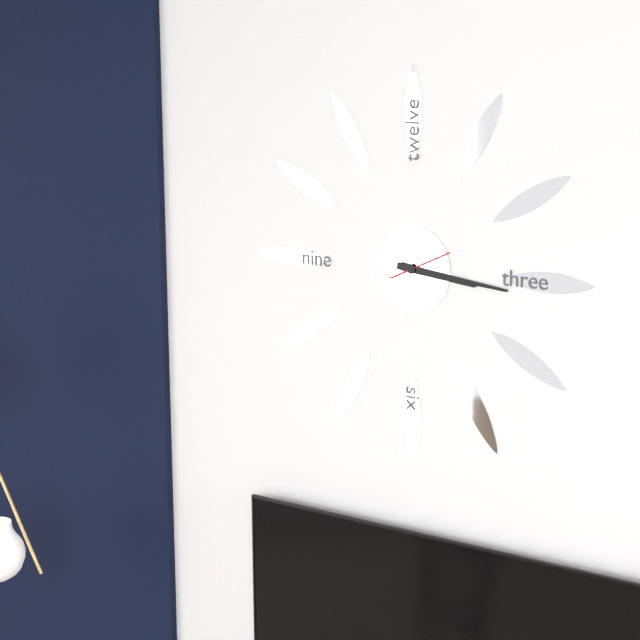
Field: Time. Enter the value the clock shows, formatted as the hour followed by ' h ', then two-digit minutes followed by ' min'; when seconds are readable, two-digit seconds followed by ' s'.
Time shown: 3 h 16 min 11 s
